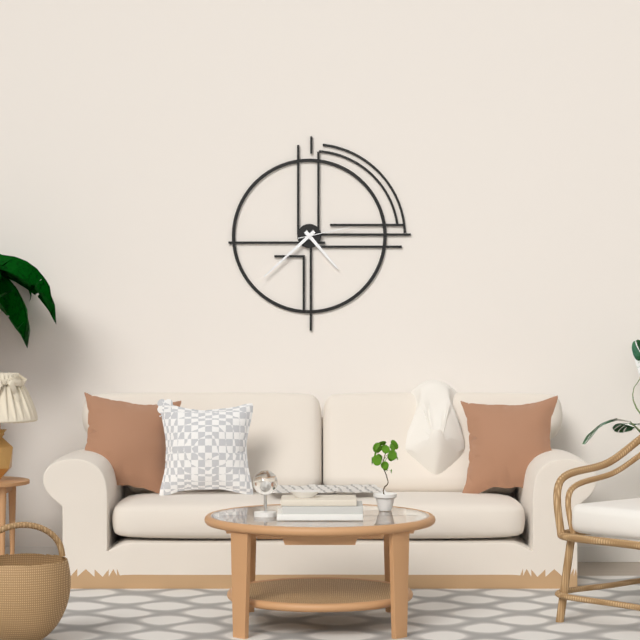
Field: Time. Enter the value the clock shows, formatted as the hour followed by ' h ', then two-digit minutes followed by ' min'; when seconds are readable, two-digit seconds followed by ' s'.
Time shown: 4 h 38 min 13 s
